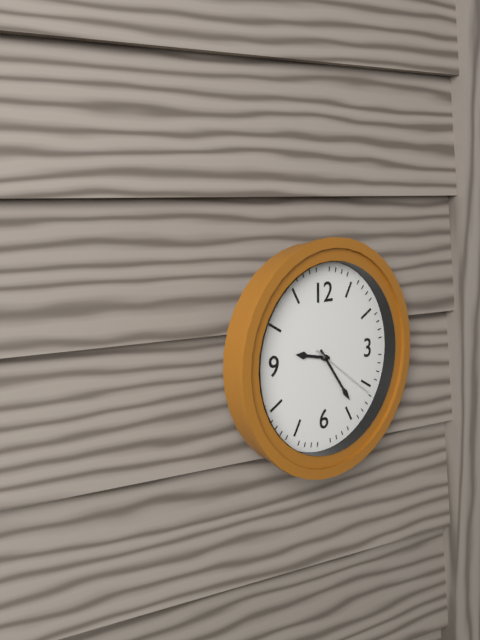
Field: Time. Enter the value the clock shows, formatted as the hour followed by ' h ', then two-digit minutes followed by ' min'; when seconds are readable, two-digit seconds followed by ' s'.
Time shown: 9 h 24 min 21 s
